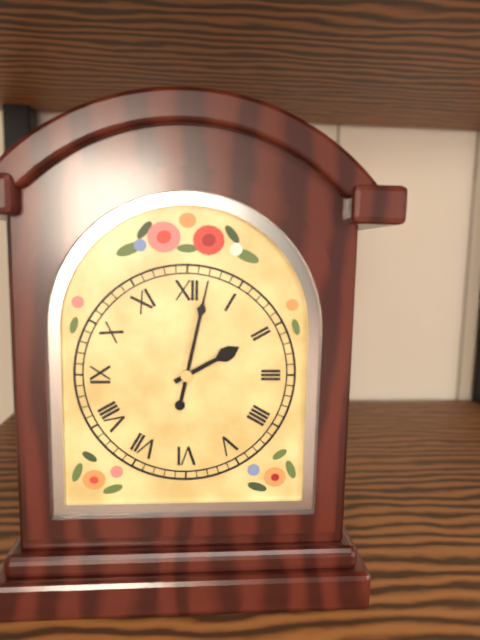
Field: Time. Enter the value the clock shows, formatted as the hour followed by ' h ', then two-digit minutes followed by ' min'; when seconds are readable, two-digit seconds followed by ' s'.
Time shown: 2 h 02 min
